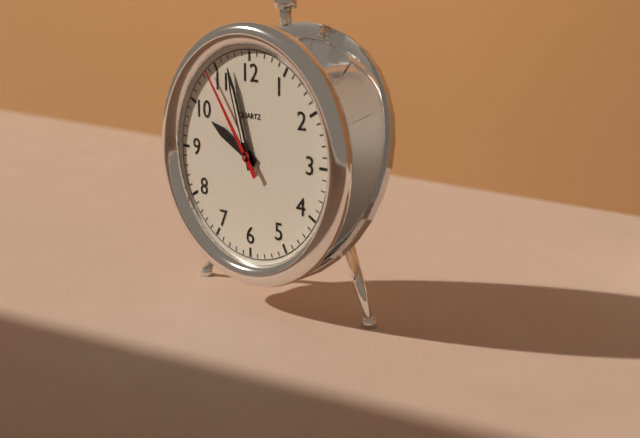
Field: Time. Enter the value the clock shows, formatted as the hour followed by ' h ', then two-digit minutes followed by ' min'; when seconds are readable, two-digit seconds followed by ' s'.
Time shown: 9 h 57 min 54 s
